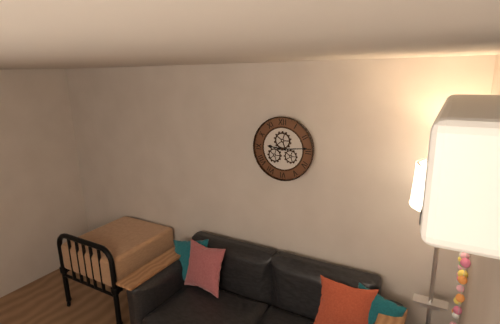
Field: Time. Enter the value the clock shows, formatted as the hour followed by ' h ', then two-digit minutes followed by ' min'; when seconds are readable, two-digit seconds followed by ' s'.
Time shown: 9 h 14 min
